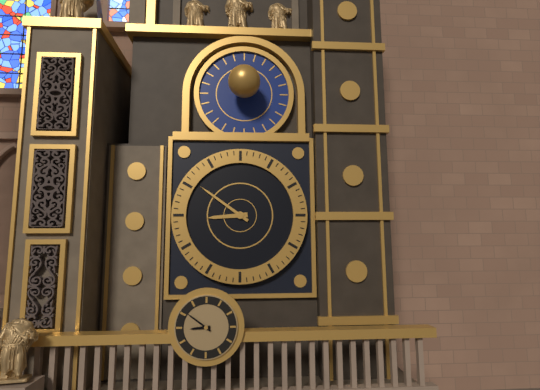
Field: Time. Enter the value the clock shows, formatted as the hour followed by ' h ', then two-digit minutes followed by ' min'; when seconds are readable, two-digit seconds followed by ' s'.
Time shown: 8 h 51 min
